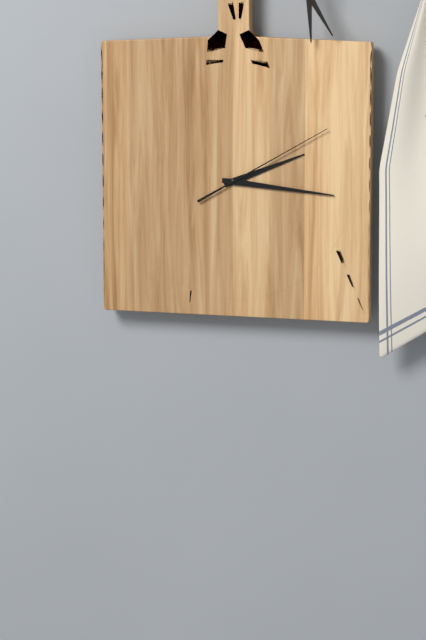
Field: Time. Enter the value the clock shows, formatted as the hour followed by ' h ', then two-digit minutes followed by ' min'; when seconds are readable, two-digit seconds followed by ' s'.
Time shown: 2 h 16 min 10 s
